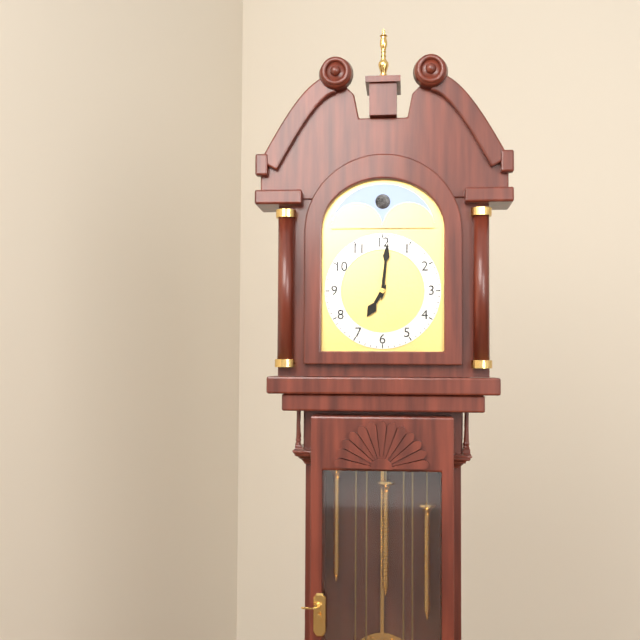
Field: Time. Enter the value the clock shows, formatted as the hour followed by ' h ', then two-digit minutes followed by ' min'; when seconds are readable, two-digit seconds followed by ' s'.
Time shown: 7 h 01 min
